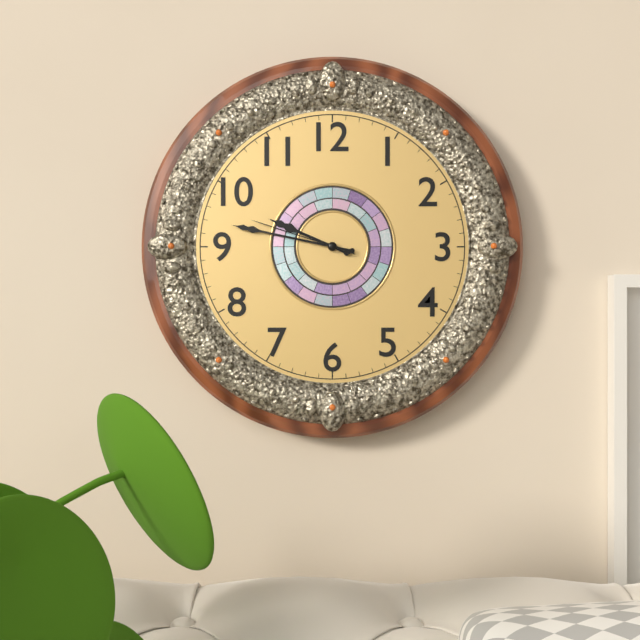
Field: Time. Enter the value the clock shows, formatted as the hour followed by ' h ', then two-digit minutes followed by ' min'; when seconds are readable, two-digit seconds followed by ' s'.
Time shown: 9 h 47 min 48 s
